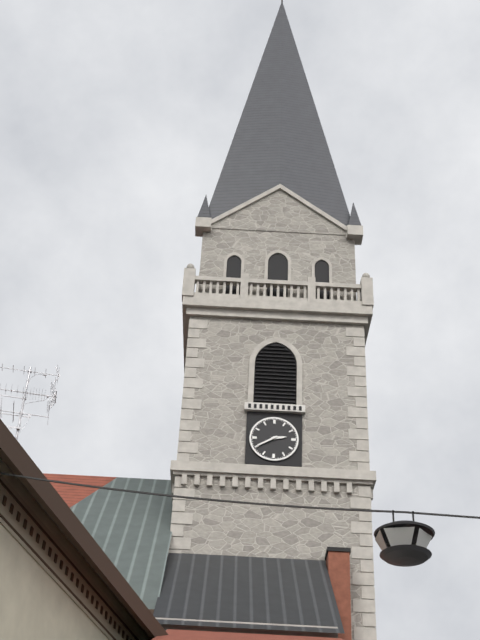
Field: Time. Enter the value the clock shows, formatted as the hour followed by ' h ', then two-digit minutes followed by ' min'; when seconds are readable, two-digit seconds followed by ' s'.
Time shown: 2 h 40 min
